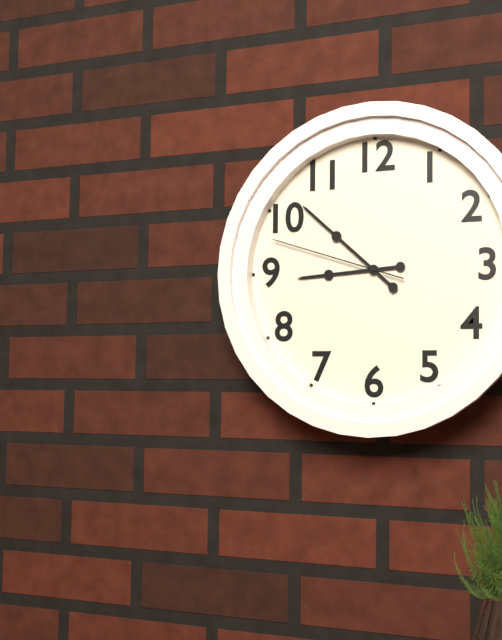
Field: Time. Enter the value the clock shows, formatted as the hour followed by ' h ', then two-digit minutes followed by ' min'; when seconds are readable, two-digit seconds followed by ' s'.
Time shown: 8 h 52 min 48 s
